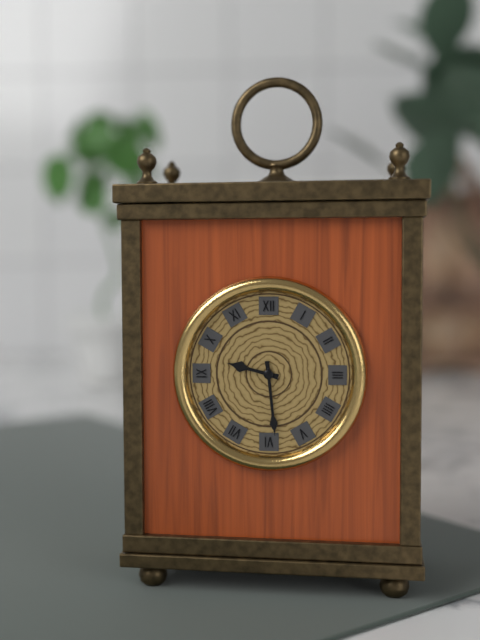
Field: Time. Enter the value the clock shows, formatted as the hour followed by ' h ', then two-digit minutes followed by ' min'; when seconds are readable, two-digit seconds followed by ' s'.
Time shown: 9 h 29 min
